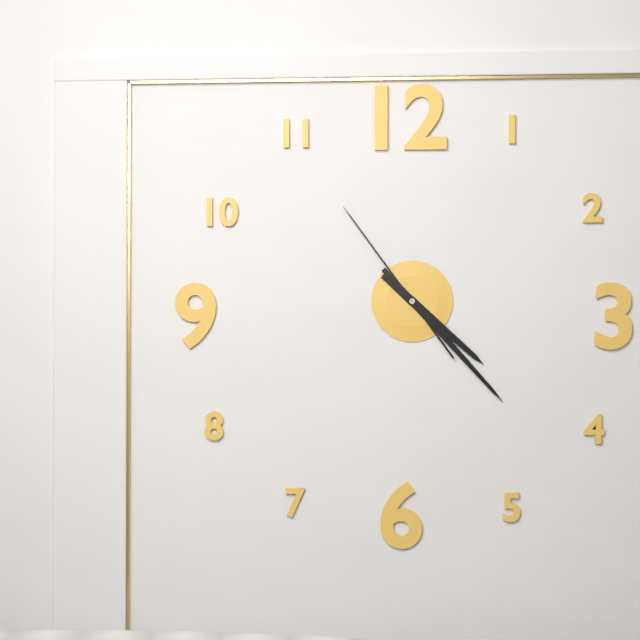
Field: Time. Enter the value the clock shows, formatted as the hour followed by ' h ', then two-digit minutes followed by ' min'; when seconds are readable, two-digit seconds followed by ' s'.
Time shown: 4 h 23 min 54 s
